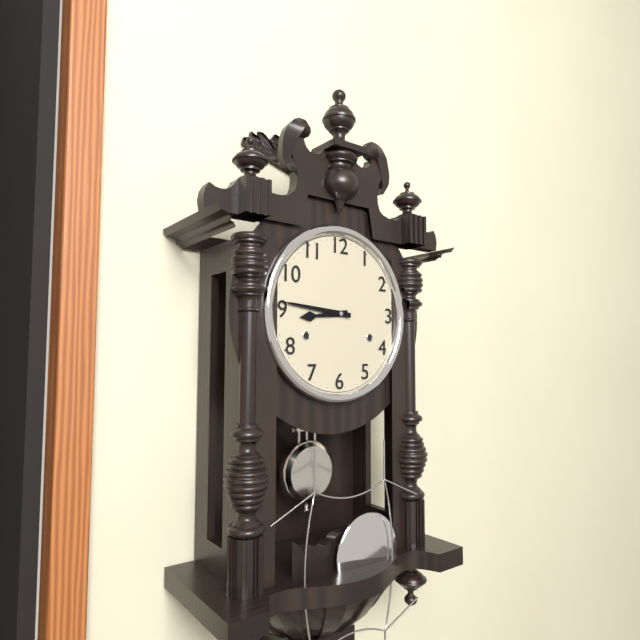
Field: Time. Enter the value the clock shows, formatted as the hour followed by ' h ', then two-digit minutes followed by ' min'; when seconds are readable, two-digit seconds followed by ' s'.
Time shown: 8 h 46 min
